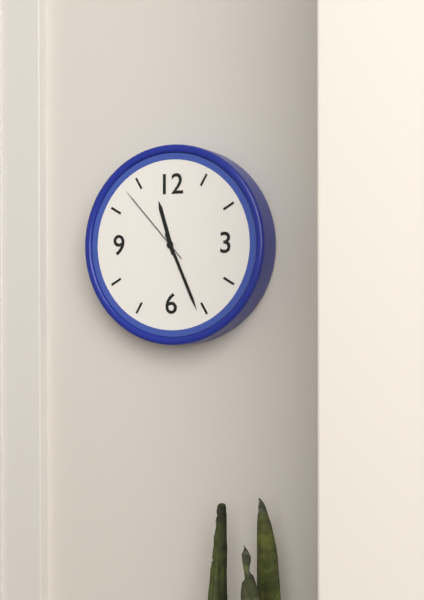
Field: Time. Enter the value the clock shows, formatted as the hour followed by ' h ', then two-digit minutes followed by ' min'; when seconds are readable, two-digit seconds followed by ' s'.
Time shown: 11 h 26 min 53 s
